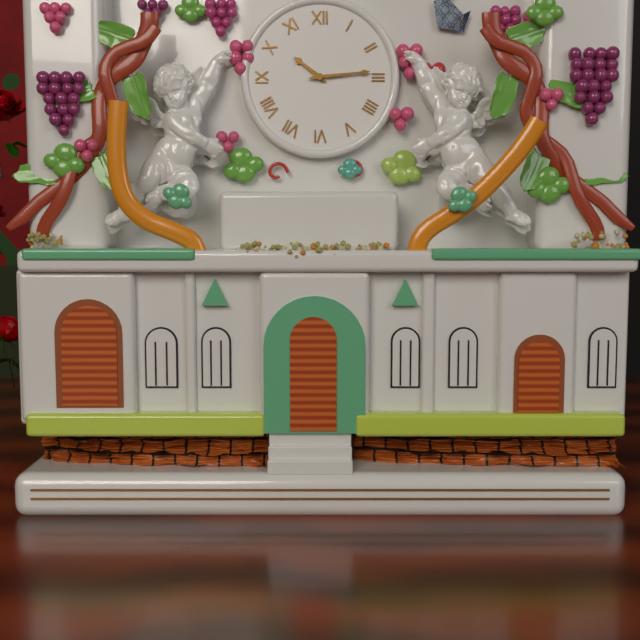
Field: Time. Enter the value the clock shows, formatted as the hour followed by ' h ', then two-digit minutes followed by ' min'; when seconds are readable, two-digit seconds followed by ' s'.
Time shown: 10 h 14 min
